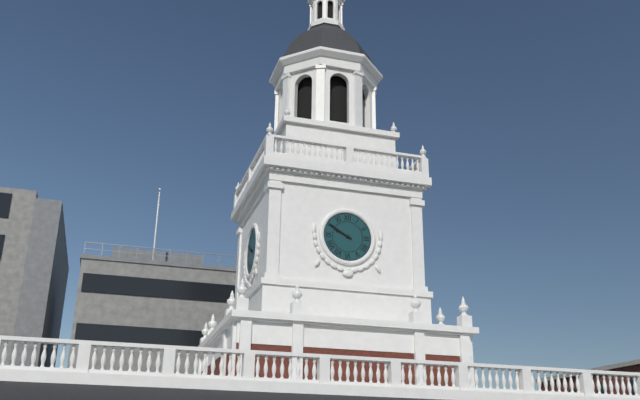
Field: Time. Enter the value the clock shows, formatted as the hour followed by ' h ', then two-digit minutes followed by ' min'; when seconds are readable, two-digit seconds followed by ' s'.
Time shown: 9 h 50 min
